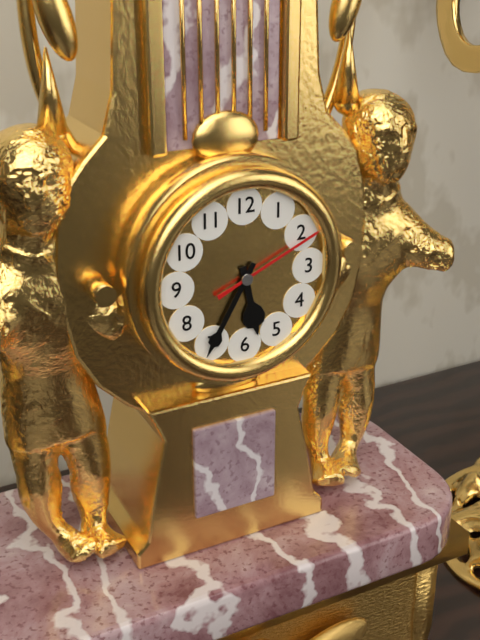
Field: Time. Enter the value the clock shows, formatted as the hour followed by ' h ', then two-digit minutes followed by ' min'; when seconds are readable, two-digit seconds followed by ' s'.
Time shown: 5 h 35 min 11 s
